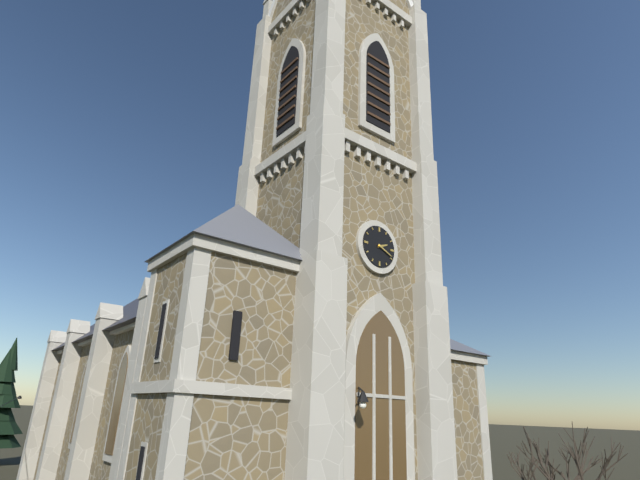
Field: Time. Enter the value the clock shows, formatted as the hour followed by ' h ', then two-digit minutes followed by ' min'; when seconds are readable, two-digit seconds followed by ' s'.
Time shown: 2 h 19 min
